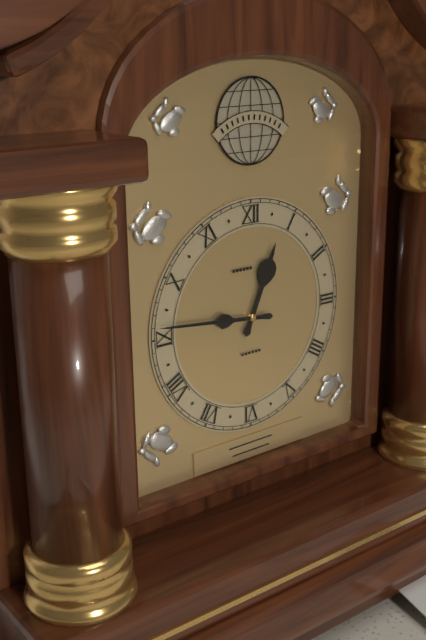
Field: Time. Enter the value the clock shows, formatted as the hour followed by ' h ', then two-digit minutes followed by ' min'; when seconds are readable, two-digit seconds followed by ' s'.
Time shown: 12 h 46 min
